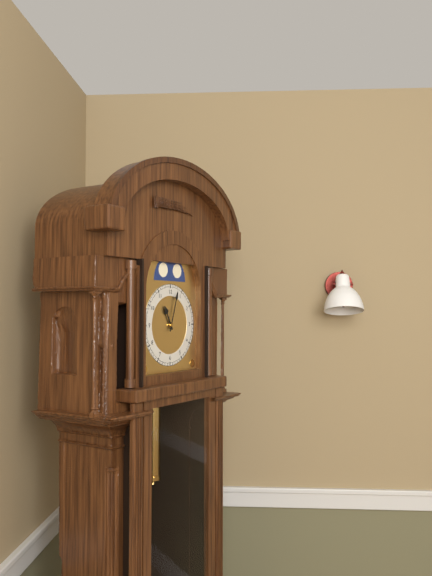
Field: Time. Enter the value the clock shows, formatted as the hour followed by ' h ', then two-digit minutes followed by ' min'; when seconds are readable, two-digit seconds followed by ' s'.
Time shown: 11 h 03 min
